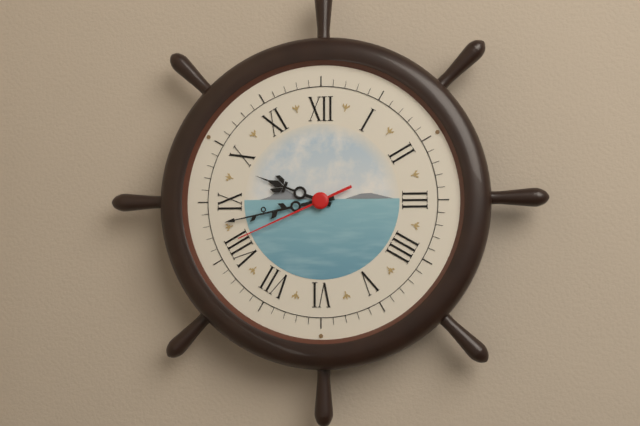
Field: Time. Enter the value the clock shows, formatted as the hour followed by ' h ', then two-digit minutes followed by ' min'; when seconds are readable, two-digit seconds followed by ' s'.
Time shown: 9 h 43 min 41 s
